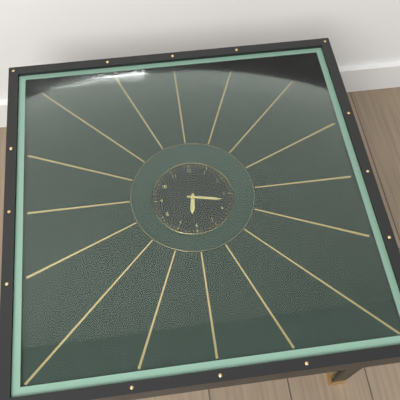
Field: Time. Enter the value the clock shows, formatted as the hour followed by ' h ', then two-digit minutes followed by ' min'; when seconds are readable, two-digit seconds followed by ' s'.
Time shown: 6 h 17 min
